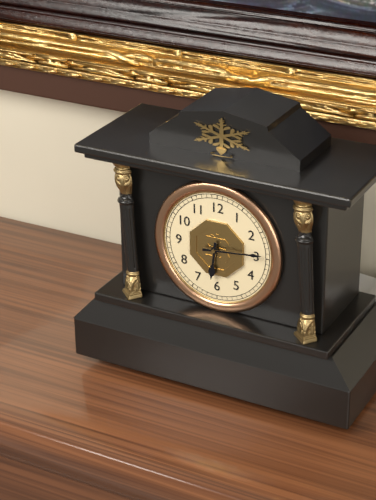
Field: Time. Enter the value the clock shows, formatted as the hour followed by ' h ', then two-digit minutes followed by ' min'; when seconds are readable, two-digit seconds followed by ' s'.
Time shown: 6 h 14 min
